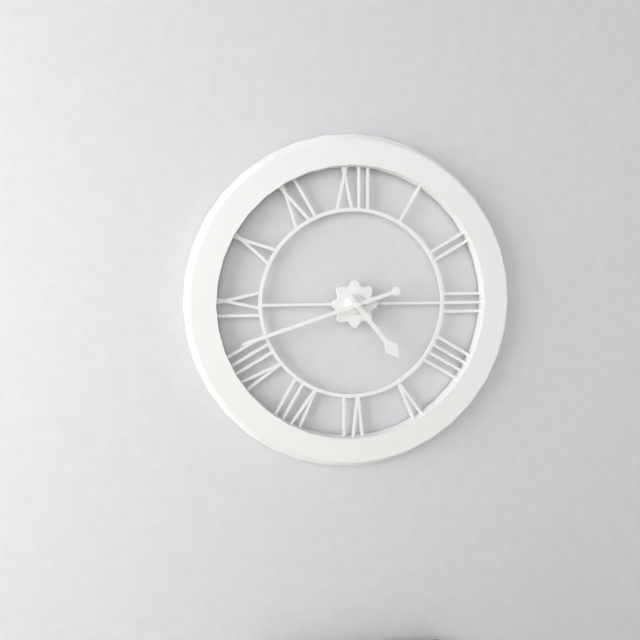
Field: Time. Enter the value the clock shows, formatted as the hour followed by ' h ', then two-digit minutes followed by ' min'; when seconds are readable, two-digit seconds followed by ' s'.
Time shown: 4 h 42 min
